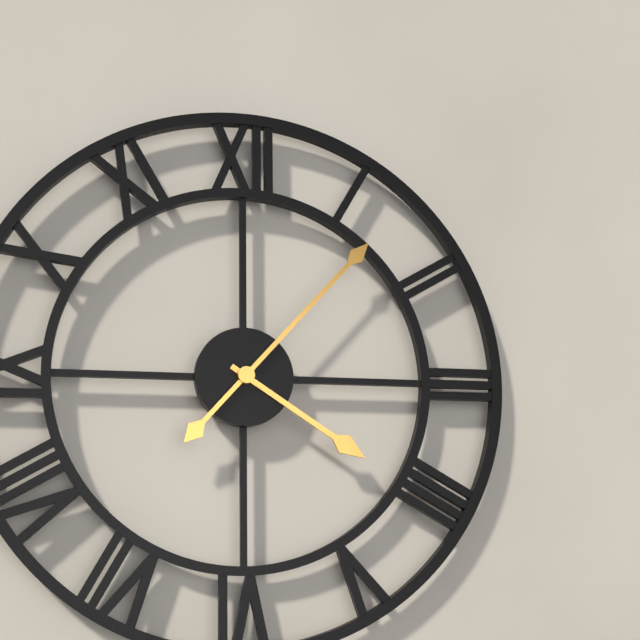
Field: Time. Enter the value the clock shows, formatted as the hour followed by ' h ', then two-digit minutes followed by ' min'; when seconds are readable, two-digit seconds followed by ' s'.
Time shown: 4 h 07 min
